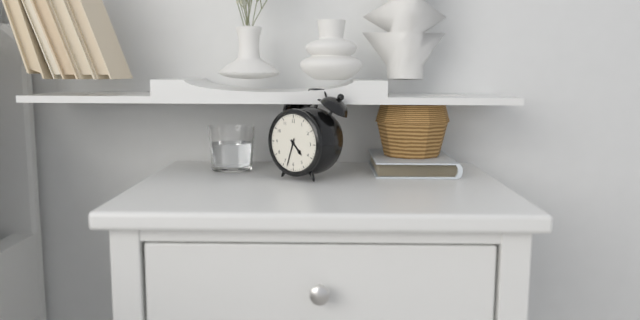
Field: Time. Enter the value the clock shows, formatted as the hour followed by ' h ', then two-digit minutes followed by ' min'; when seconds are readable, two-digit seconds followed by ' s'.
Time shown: 4 h 33 min
